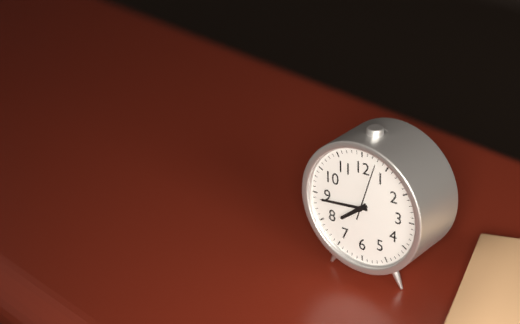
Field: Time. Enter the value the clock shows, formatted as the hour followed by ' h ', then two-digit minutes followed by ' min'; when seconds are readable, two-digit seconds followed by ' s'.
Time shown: 7 h 44 min 03 s
